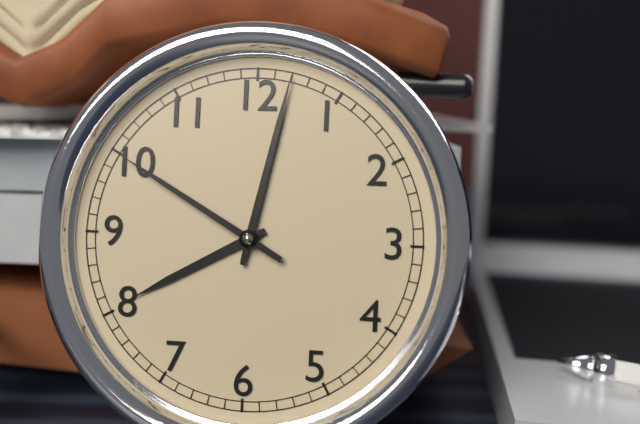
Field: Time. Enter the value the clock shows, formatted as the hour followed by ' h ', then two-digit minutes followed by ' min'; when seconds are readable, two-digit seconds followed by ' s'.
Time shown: 8 h 02 min 50 s
